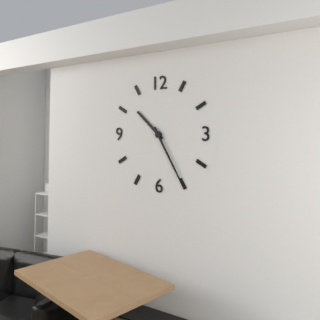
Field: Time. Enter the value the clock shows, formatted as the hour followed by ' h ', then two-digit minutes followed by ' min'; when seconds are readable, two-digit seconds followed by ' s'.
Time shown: 10 h 25 min
